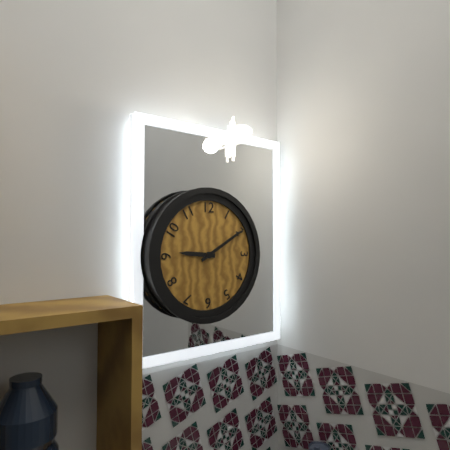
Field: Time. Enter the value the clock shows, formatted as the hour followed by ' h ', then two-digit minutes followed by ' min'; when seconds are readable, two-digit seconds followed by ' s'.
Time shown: 9 h 10 min
